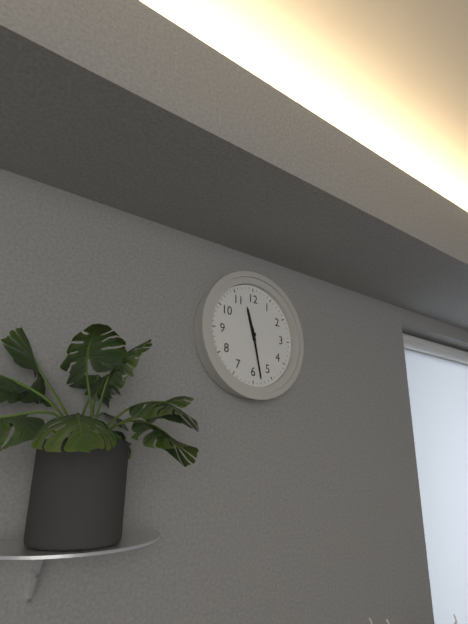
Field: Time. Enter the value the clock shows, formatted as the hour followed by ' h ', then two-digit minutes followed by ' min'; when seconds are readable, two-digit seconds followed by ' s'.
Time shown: 11 h 28 min
